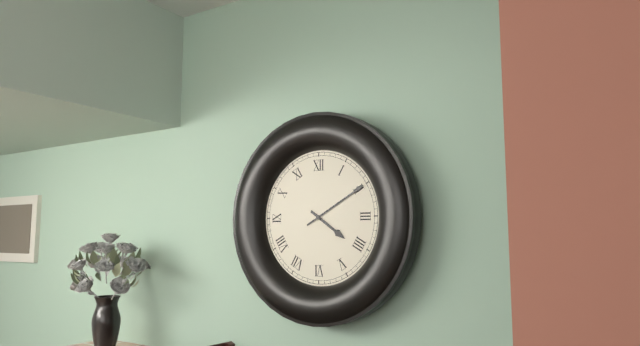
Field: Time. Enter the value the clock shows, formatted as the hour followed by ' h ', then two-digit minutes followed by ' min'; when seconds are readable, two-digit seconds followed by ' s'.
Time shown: 4 h 10 min
